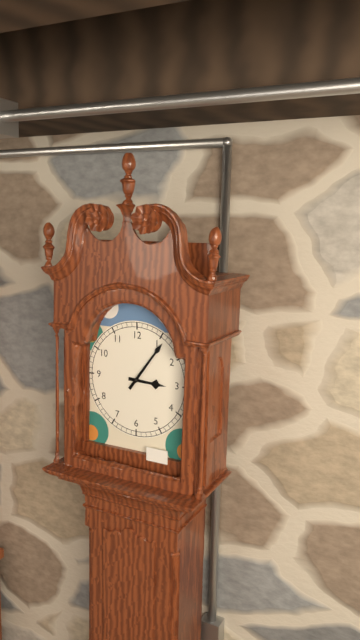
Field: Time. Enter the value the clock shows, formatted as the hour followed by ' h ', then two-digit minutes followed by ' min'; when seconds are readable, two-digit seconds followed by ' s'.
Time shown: 3 h 06 min
